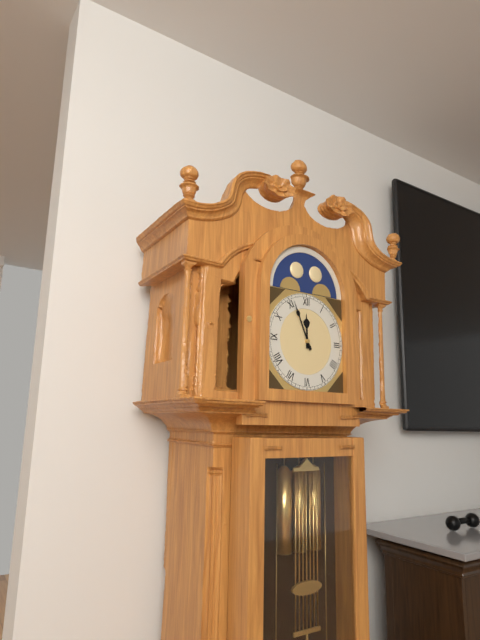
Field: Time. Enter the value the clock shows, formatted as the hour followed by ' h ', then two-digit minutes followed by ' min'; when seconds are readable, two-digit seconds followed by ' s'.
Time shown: 11 h 56 min
